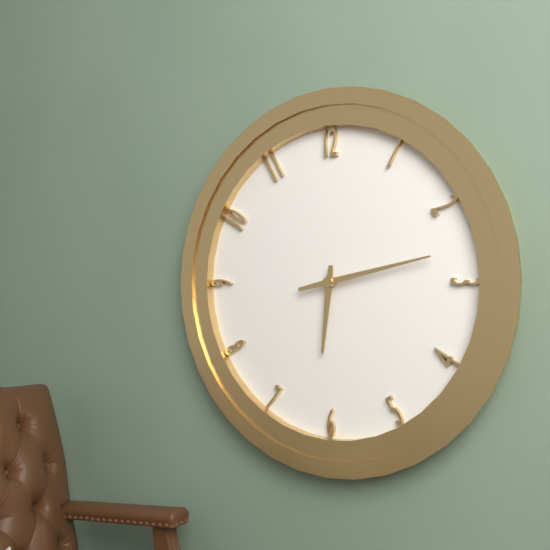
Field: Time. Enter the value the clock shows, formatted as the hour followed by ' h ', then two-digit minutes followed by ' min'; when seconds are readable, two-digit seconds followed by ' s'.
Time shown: 6 h 13 min
